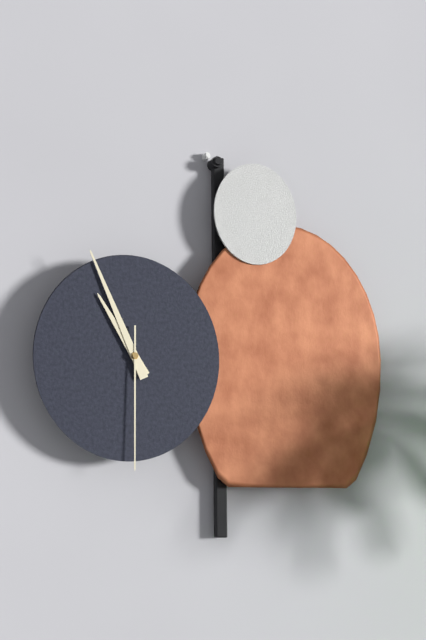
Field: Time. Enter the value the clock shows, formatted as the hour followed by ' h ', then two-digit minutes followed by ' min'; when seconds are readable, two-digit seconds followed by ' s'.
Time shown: 10 h 56 min 30 s
